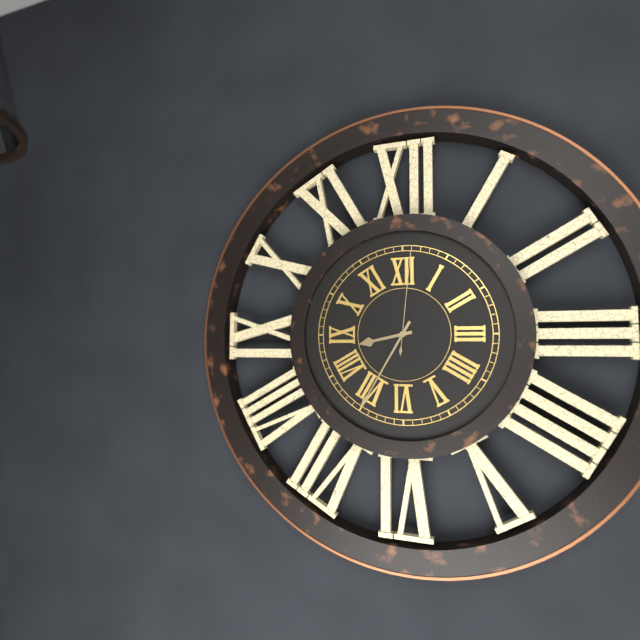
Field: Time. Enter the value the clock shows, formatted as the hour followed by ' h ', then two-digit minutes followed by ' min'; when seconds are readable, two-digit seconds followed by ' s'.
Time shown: 8 h 35 min 01 s
